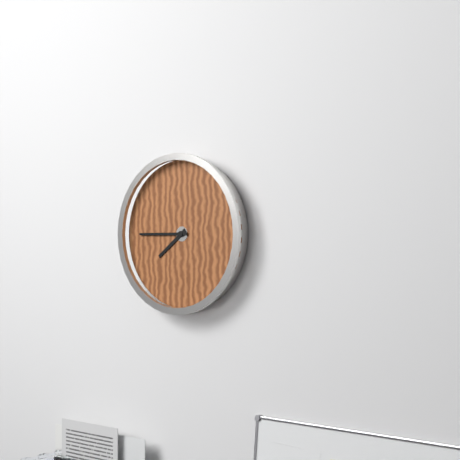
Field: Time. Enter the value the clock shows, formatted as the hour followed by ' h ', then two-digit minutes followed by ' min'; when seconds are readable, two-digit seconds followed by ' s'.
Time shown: 7 h 45 min
